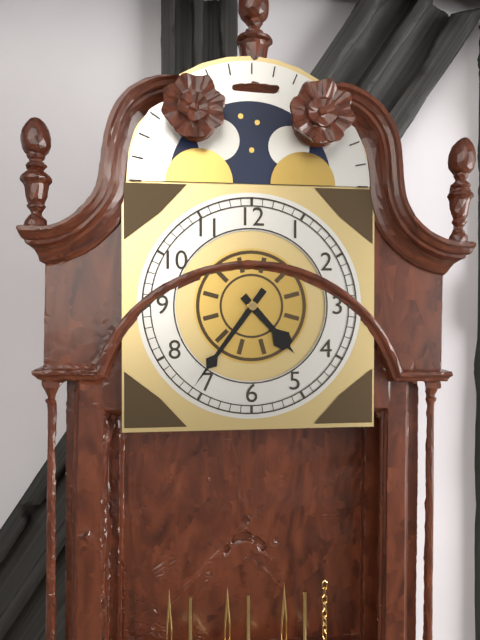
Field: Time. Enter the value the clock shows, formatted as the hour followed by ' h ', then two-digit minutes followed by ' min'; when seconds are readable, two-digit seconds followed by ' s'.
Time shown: 4 h 36 min
